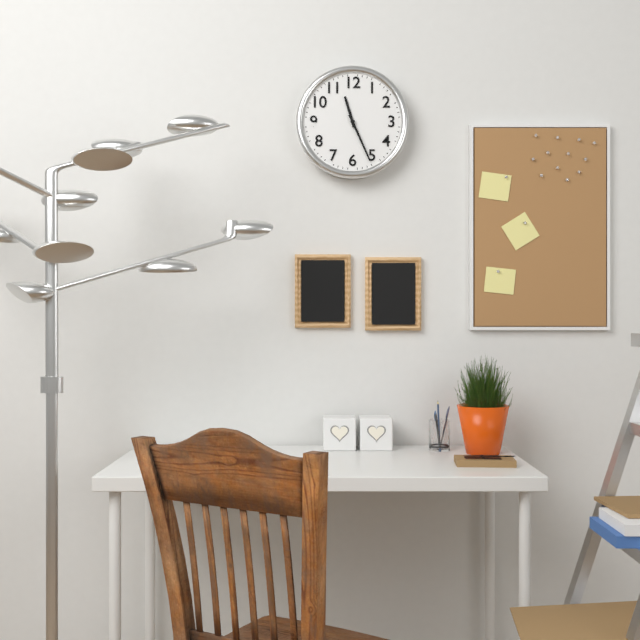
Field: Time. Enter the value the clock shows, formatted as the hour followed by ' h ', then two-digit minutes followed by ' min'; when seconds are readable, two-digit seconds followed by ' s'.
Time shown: 11 h 26 min
